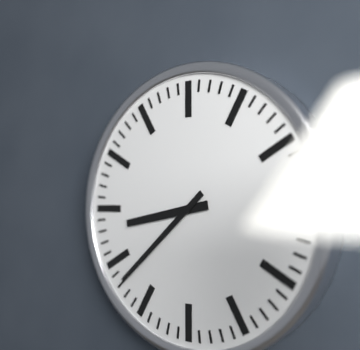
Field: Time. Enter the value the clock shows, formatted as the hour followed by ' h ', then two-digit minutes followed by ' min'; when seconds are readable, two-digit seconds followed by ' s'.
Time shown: 8 h 38 min
